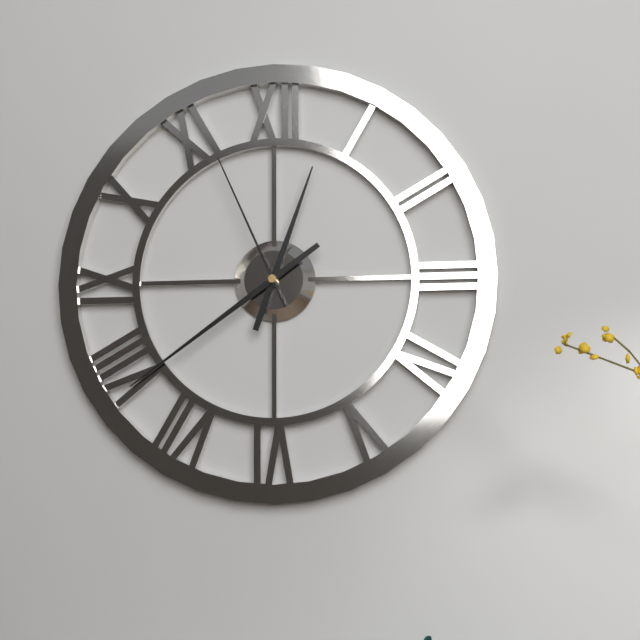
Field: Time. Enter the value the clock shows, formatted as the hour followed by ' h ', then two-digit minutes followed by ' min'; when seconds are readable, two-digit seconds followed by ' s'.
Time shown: 12 h 39 min 56 s
